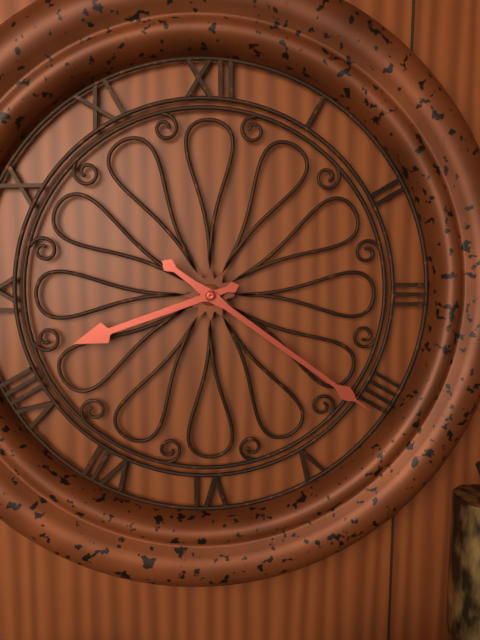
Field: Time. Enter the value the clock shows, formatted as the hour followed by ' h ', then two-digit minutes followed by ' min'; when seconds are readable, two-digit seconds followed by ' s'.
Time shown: 8 h 21 min
